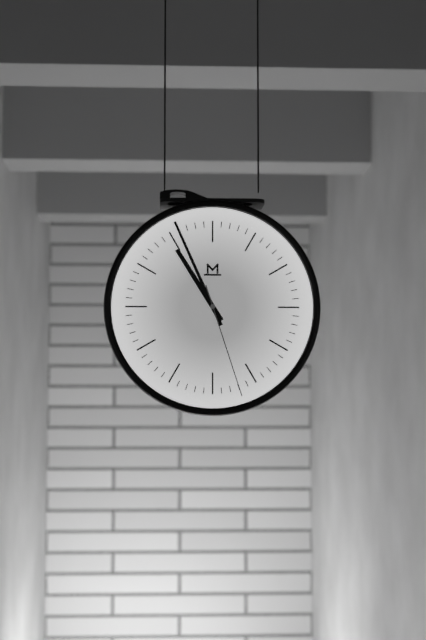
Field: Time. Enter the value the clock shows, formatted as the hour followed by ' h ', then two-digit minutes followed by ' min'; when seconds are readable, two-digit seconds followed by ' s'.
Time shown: 10 h 56 min 27 s
